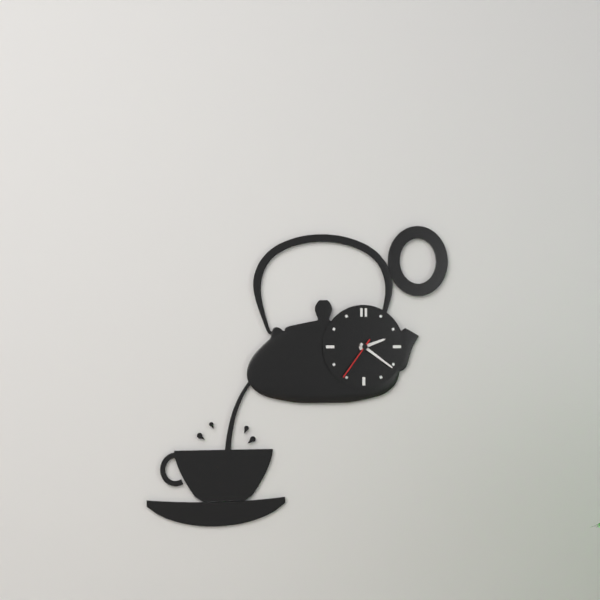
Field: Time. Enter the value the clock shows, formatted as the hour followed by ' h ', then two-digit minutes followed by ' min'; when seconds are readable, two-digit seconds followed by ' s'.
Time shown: 2 h 21 min
